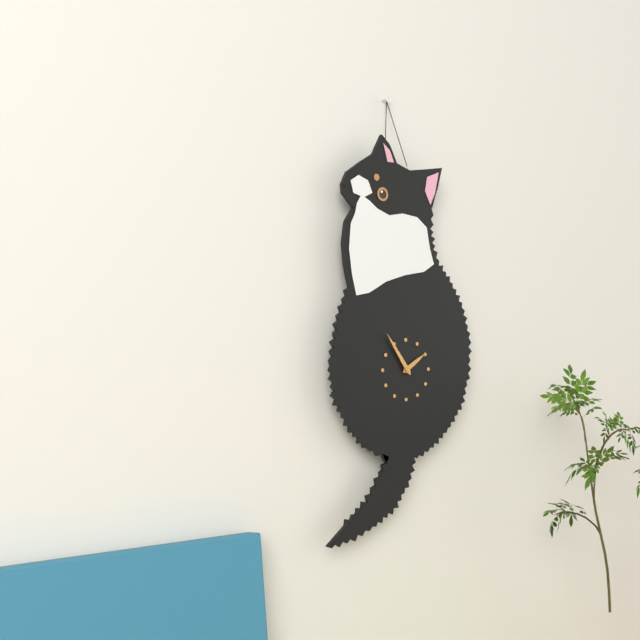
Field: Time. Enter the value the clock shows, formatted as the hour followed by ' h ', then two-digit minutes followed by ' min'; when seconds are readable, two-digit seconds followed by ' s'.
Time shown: 1 h 54 min
